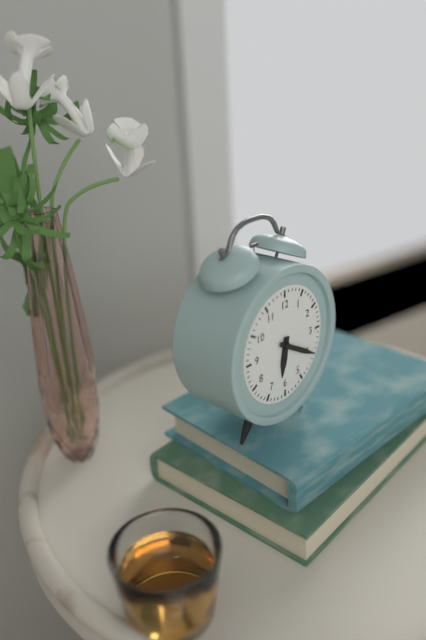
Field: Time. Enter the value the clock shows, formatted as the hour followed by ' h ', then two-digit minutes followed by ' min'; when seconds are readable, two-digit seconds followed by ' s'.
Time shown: 6 h 20 min
